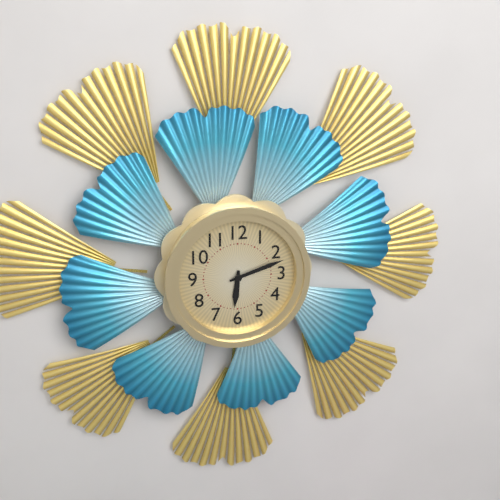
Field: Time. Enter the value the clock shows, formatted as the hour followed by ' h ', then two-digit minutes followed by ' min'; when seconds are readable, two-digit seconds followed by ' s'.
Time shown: 6 h 12 min
